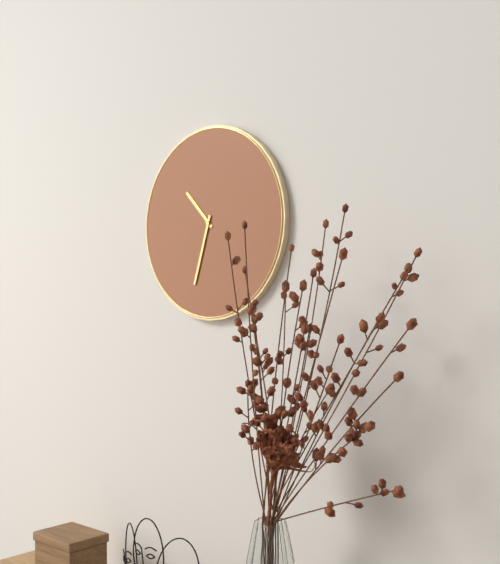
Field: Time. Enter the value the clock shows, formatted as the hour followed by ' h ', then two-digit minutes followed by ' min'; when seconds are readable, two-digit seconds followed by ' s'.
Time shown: 10 h 33 min
